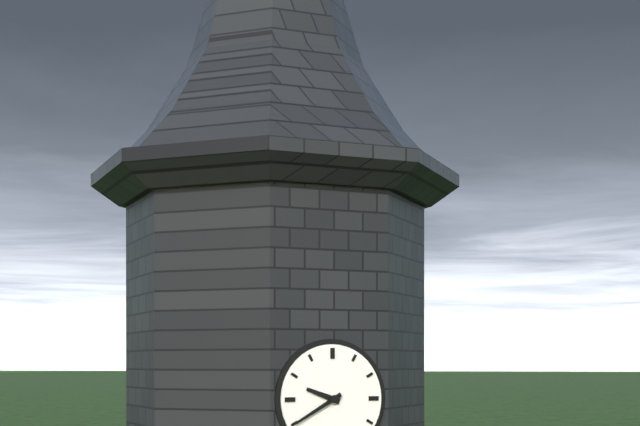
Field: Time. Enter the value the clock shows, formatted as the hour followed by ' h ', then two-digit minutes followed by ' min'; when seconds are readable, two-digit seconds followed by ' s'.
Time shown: 9 h 40 min
